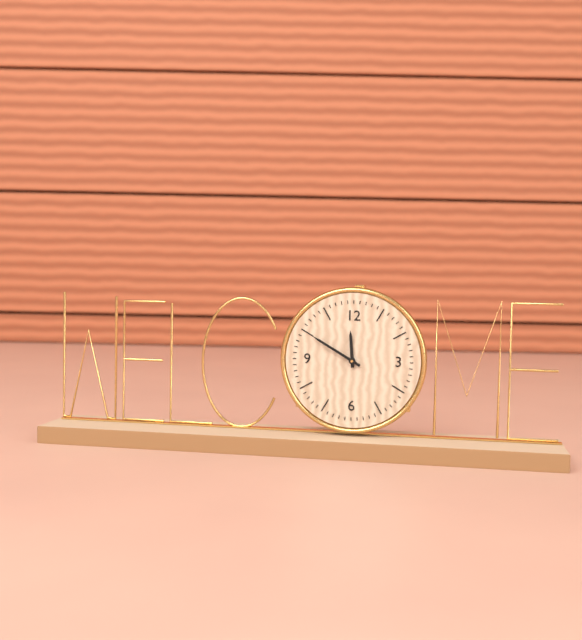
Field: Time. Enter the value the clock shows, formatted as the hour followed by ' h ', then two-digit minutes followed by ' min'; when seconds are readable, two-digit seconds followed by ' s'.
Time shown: 11 h 50 min
